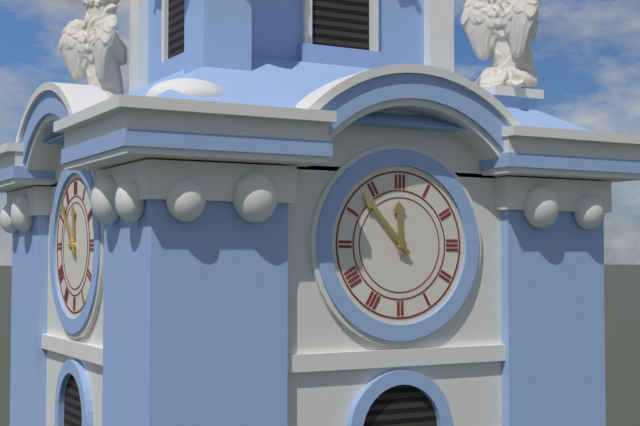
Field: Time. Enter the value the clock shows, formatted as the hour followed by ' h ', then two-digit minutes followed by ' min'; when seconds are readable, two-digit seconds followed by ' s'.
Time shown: 11 h 53 min
